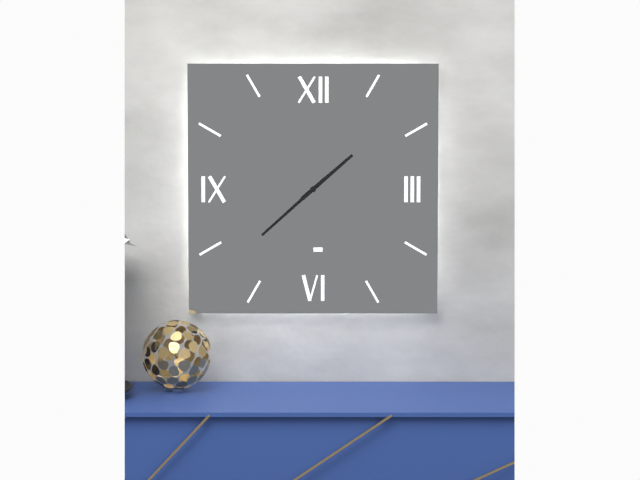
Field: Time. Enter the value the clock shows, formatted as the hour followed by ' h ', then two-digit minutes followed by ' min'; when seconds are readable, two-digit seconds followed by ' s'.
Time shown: 1 h 38 min
